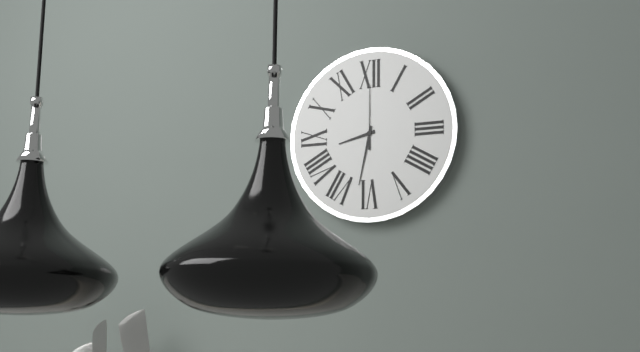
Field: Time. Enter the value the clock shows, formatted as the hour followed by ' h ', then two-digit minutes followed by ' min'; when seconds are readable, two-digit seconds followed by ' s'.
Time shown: 8 h 32 min 00 s
